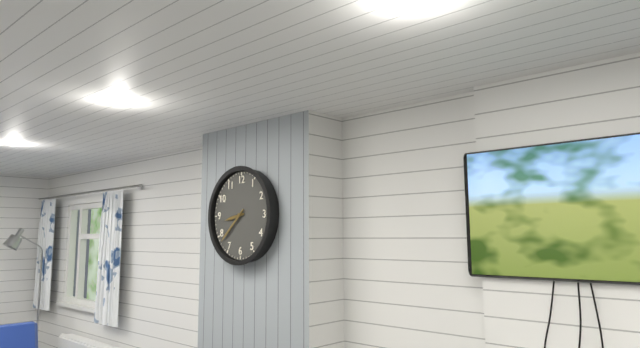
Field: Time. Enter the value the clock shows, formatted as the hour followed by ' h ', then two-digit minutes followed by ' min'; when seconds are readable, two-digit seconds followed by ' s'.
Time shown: 8 h 38 min
